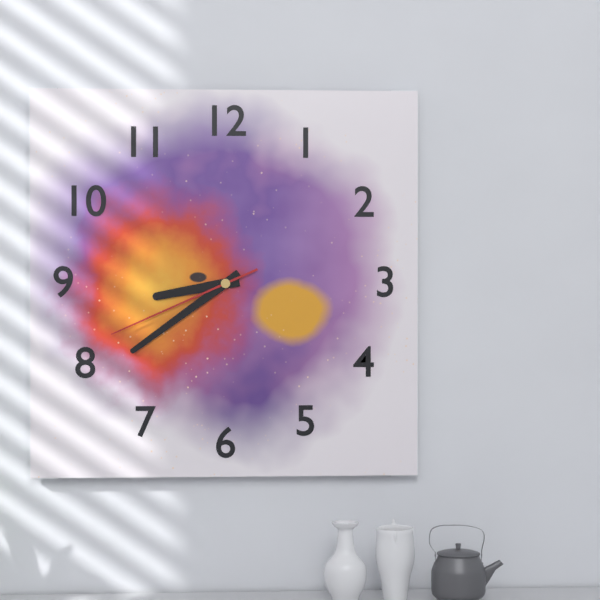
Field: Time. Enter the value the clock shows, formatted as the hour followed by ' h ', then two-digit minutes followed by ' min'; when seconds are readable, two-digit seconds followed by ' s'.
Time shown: 8 h 39 min 41 s
